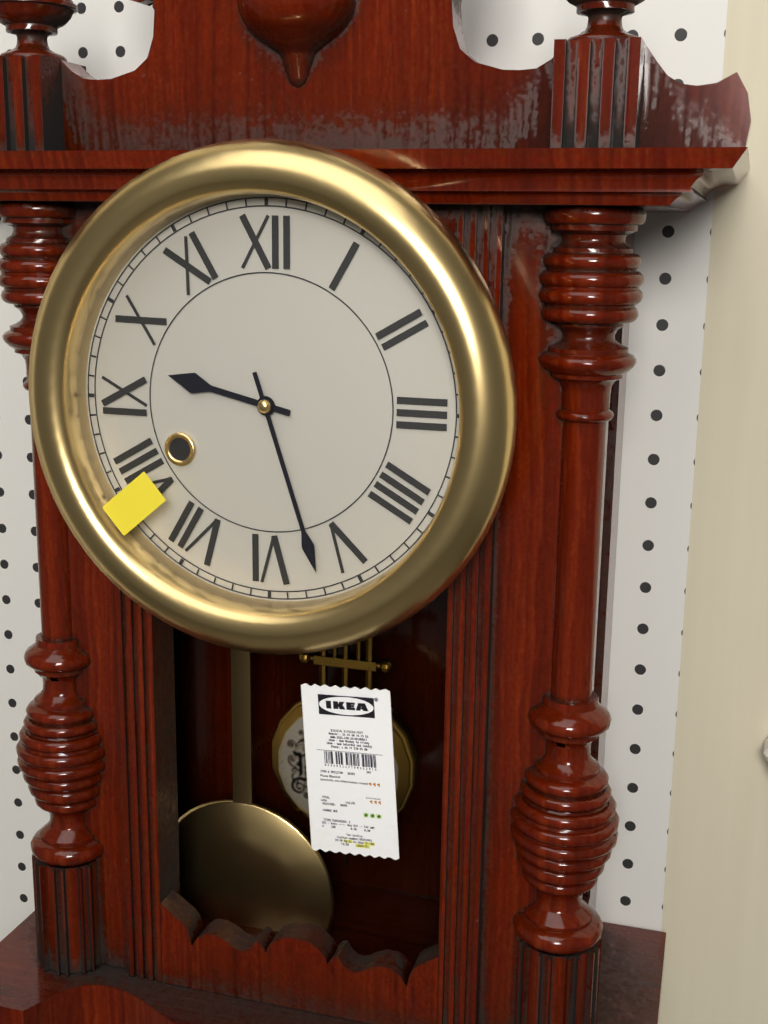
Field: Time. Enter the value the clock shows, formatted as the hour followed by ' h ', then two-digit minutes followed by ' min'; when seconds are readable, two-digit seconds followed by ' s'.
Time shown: 9 h 27 min
